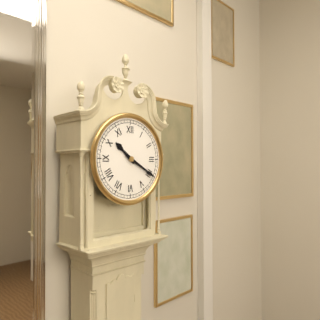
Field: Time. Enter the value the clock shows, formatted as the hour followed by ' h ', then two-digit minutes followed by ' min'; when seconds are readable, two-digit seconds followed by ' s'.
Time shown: 10 h 20 min
